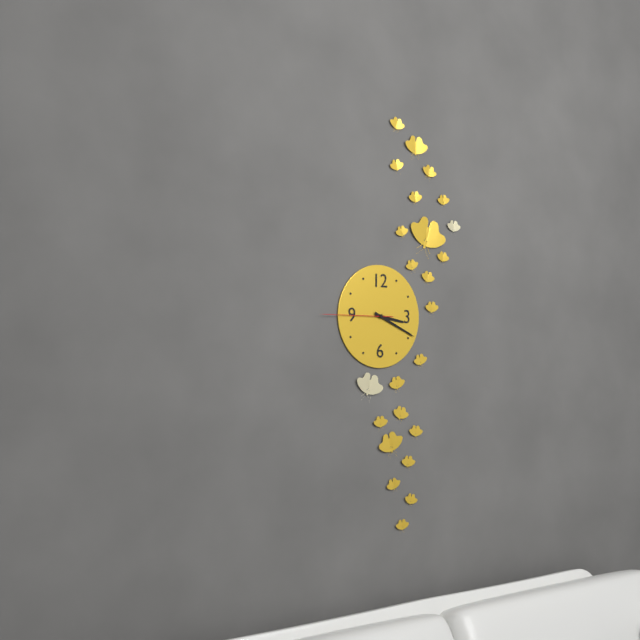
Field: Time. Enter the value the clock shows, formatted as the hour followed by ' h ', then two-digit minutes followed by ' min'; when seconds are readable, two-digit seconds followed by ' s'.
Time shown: 3 h 19 min 45 s
